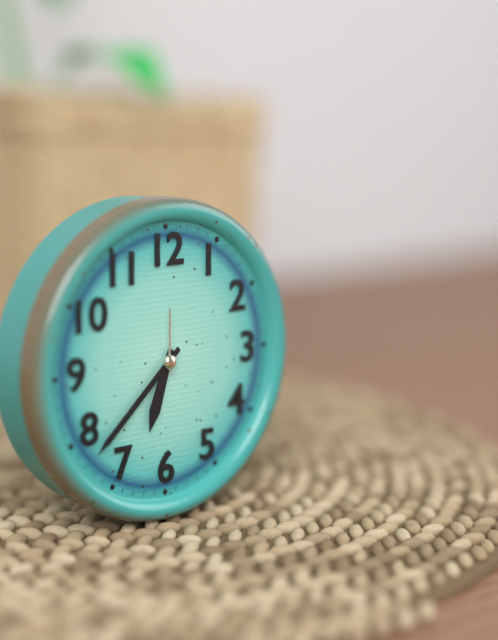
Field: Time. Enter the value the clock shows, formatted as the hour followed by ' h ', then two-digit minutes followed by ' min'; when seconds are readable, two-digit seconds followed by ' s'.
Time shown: 6 h 38 min 00 s
